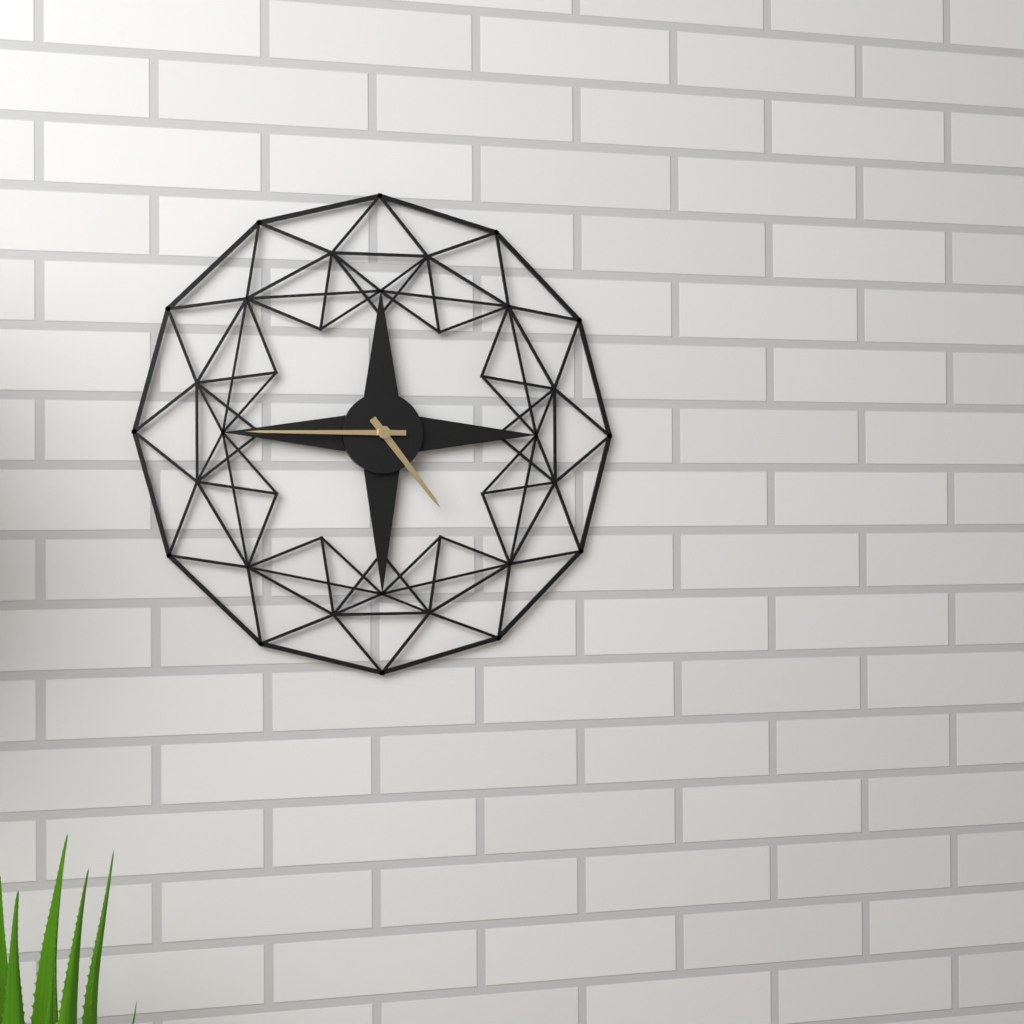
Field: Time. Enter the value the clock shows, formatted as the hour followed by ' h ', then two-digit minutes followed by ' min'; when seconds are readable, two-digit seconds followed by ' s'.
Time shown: 4 h 45 min
